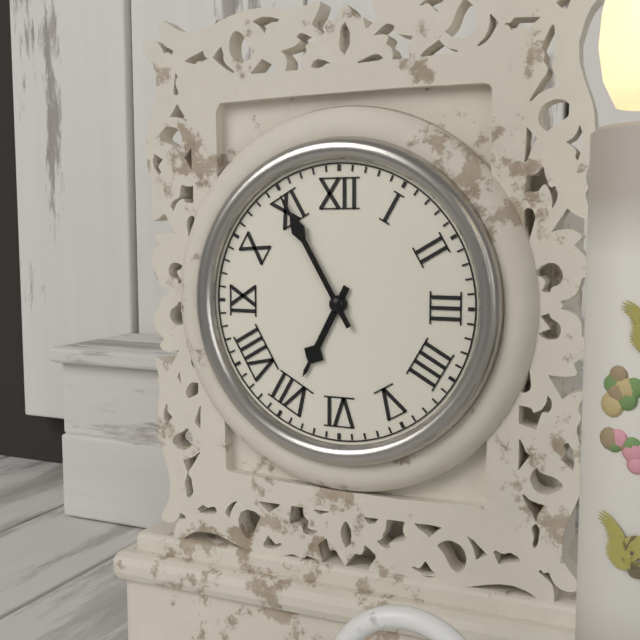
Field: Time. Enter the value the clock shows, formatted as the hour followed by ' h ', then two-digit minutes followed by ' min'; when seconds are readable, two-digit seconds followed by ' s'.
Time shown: 6 h 55 min
